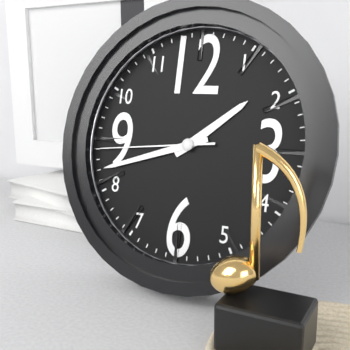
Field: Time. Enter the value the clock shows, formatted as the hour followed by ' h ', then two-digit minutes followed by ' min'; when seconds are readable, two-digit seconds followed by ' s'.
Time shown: 1 h 42 min 44 s
